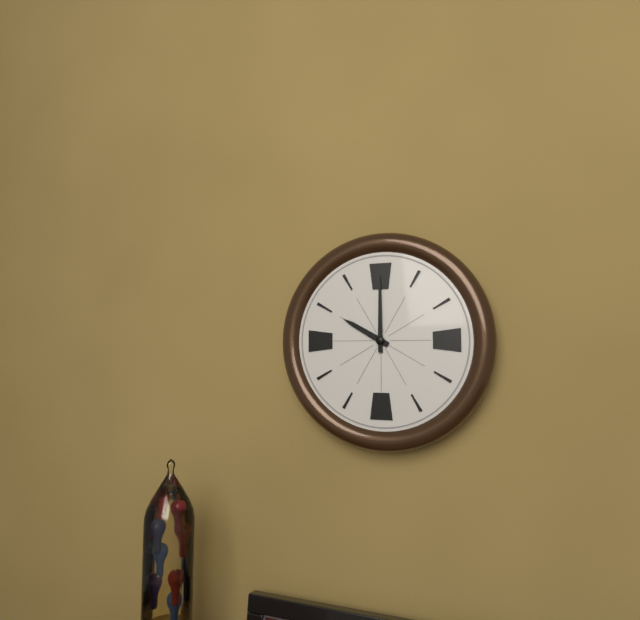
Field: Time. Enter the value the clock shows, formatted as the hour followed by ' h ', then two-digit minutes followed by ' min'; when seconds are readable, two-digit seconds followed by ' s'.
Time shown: 10 h 00 min
